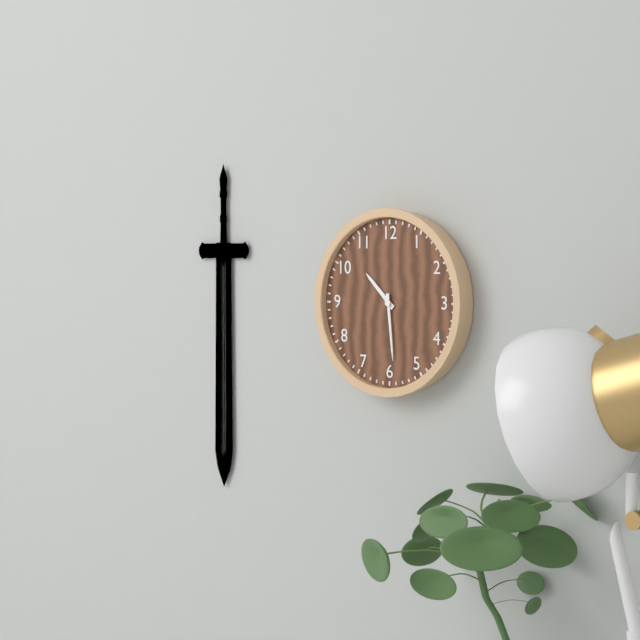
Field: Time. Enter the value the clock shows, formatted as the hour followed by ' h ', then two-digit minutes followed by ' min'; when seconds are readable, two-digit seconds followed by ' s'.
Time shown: 10 h 29 min
